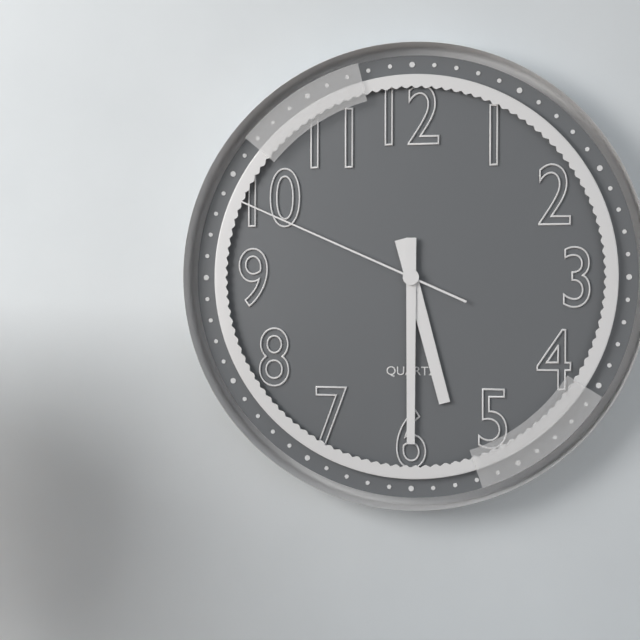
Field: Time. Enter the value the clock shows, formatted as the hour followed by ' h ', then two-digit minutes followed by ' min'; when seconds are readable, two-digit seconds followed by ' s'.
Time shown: 5 h 30 min 49 s
